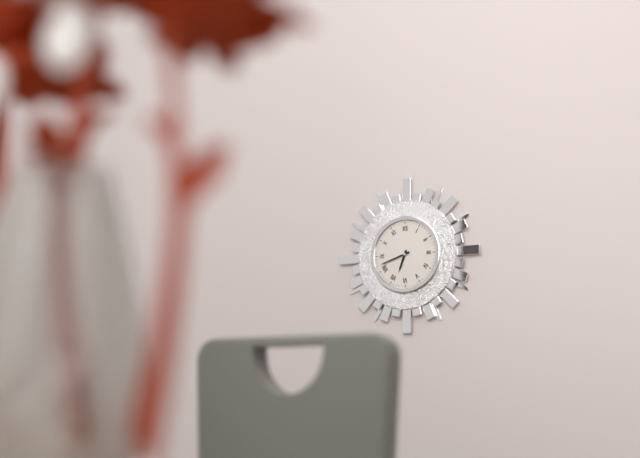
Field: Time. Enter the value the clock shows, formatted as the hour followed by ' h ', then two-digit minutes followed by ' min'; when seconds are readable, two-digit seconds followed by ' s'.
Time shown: 6 h 42 min
